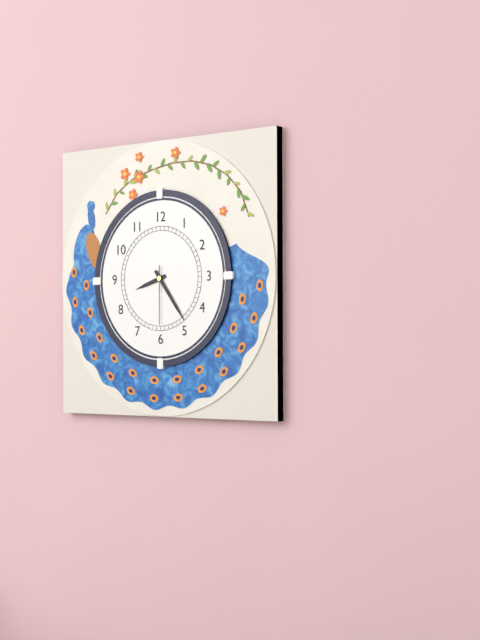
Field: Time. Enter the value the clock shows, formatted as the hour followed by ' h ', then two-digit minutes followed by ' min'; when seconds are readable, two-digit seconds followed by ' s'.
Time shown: 8 h 24 min 30 s
